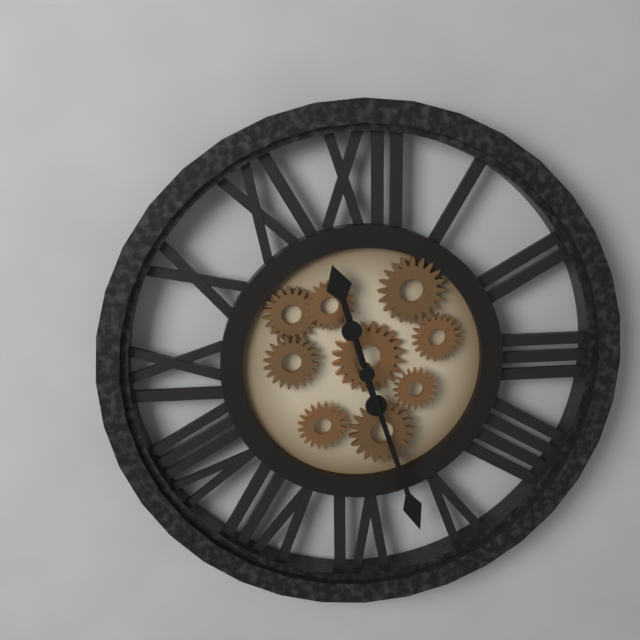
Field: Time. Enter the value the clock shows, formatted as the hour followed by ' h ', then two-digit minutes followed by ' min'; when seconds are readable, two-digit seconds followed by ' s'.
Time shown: 11 h 27 min
